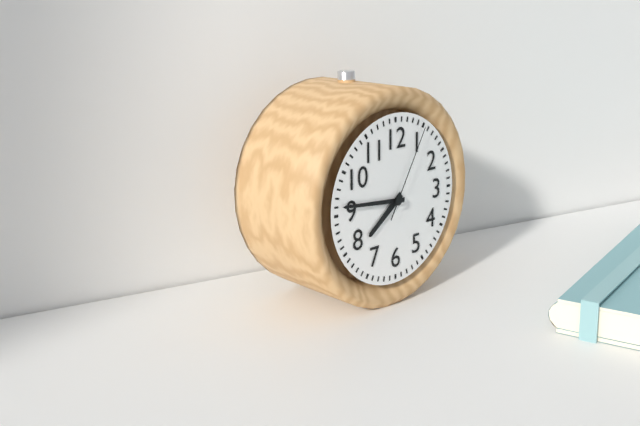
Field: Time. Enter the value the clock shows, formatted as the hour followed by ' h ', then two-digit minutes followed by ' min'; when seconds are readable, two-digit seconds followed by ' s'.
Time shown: 7 h 46 min 05 s
